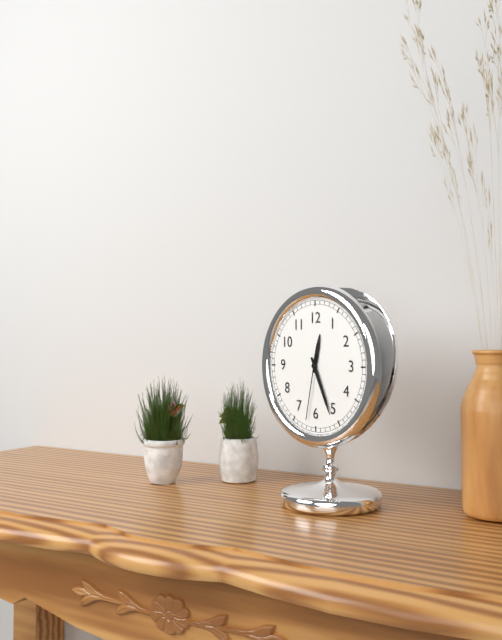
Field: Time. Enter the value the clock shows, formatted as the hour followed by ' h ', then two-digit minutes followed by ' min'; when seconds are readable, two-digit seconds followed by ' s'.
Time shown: 12 h 26 min 32 s
